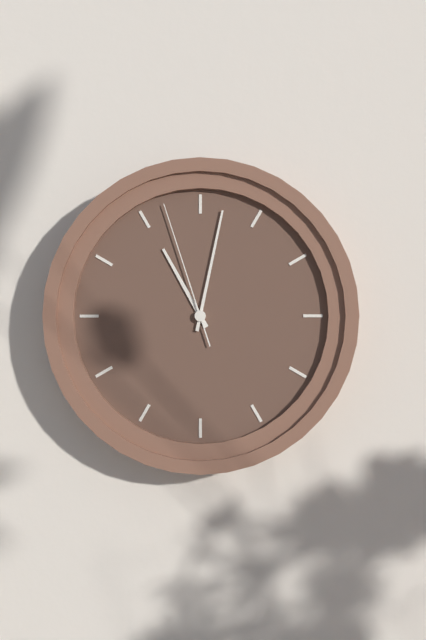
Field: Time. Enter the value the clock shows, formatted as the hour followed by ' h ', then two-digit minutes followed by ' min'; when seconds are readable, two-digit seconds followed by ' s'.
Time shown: 11 h 02 min 57 s
